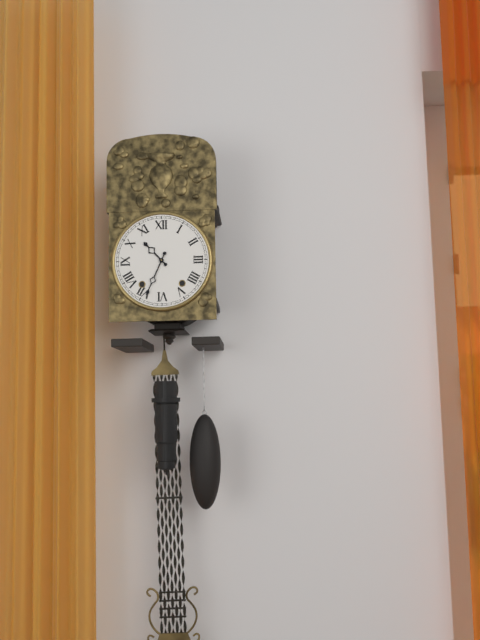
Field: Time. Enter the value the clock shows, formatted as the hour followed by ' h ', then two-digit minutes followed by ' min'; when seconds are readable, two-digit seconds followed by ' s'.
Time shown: 10 h 34 min
